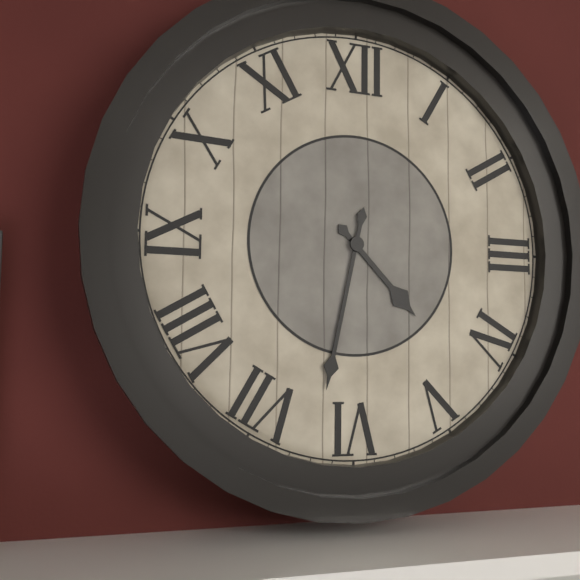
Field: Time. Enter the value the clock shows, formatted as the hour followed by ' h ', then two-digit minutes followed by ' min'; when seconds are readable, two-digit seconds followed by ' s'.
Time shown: 4 h 32 min
